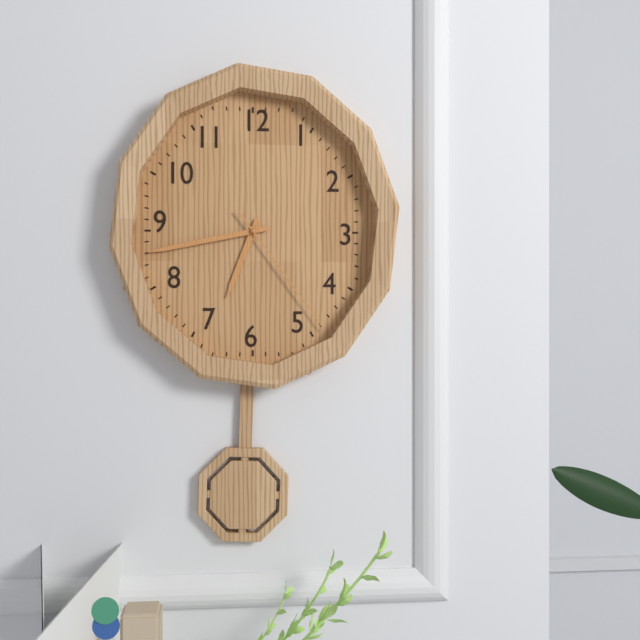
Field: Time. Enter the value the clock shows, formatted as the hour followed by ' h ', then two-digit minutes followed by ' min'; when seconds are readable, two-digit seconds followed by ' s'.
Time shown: 6 h 43 min 24 s
